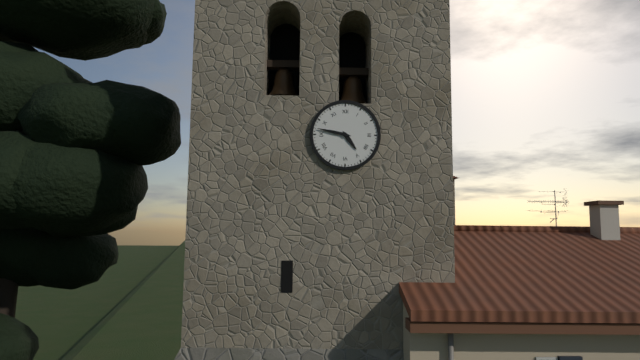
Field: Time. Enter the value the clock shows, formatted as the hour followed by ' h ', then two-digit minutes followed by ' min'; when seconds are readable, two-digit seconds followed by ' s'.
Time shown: 4 h 47 min
